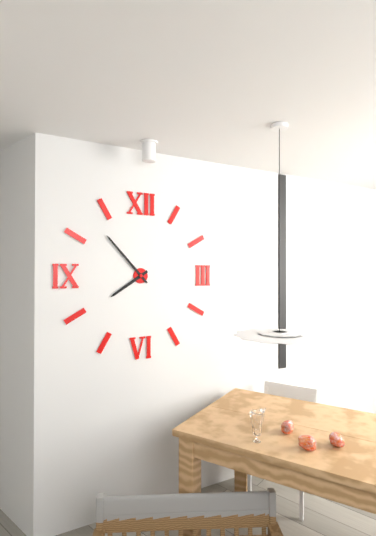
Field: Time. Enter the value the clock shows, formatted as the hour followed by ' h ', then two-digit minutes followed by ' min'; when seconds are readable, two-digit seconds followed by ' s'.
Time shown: 7 h 53 min
